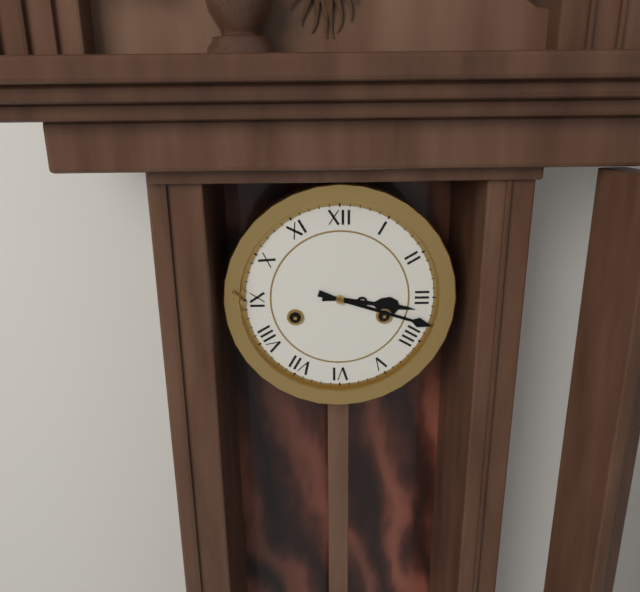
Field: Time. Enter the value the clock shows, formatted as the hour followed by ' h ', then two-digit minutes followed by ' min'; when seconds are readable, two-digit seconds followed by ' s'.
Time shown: 3 h 18 min
